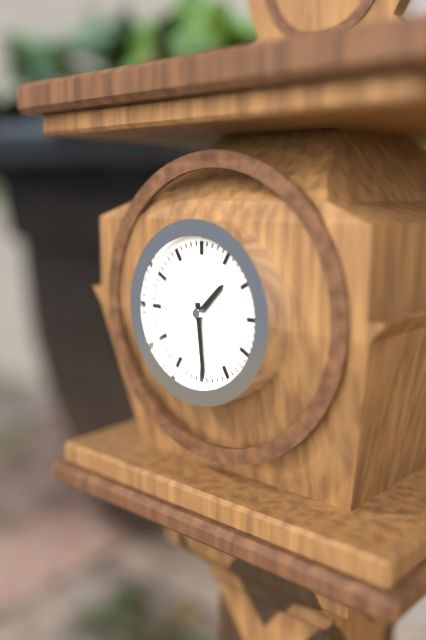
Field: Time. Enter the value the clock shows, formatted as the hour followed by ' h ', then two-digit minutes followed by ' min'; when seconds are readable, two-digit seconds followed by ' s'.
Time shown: 1 h 29 min
